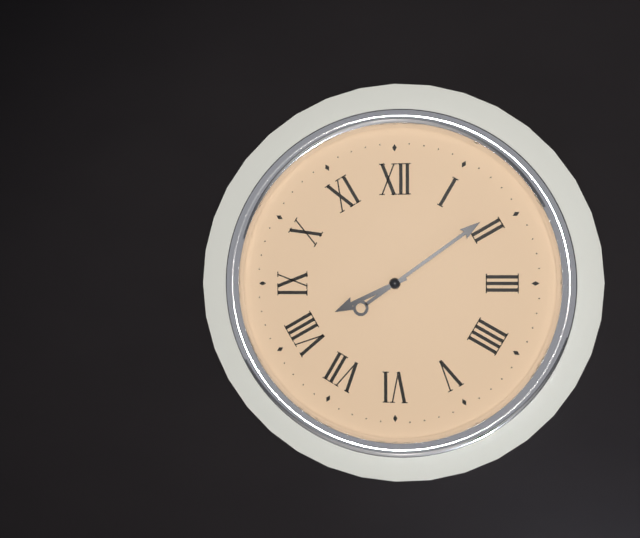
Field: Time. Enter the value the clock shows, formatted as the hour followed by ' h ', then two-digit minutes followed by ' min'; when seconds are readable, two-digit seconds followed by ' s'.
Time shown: 8 h 09 min
